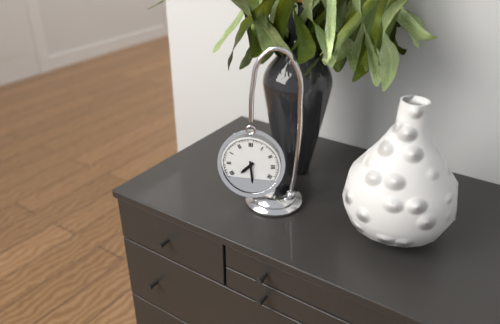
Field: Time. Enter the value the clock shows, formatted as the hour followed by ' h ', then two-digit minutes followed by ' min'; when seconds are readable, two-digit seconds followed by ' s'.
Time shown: 7 h 29 min
